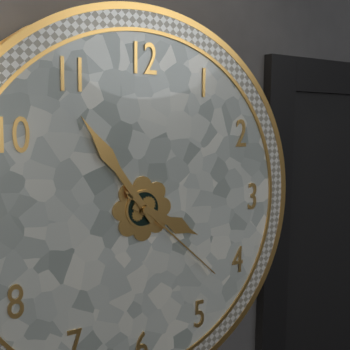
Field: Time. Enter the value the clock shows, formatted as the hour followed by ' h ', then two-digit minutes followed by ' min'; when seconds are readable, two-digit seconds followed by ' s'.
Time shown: 3 h 54 min 22 s
